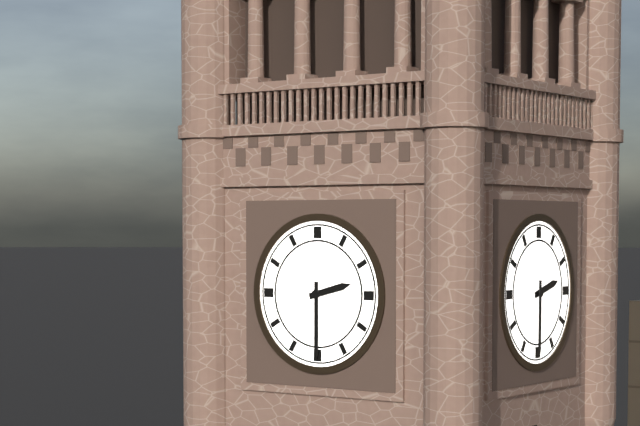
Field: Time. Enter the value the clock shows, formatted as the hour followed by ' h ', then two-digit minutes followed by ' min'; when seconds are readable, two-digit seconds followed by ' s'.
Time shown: 2 h 30 min
